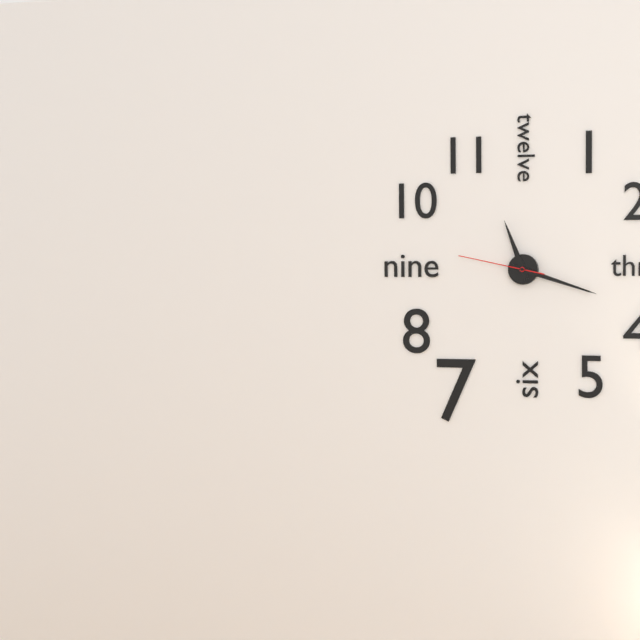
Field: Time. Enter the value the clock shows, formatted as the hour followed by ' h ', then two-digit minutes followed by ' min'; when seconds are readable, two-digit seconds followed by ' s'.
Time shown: 11 h 18 min 47 s
